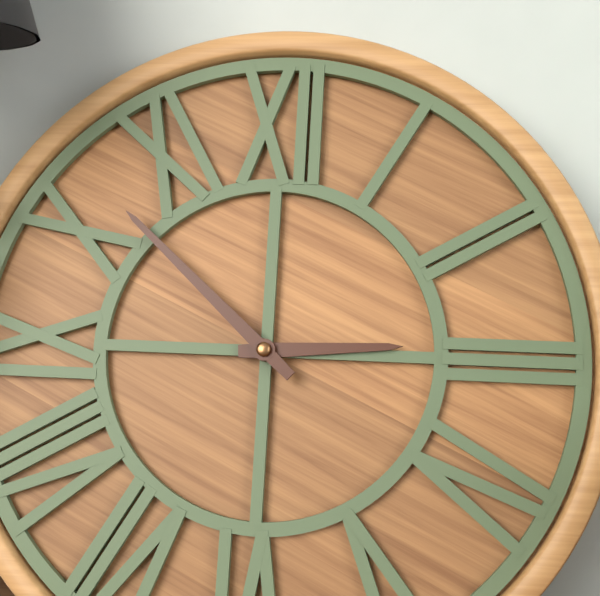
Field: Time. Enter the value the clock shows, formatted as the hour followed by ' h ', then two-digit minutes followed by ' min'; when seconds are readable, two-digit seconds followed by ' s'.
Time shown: 2 h 52 min
